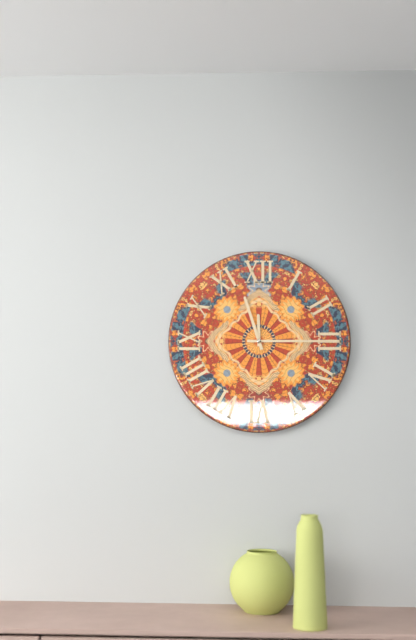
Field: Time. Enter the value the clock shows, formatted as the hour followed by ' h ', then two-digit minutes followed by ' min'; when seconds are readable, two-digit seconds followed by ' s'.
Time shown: 11 h 57 min 15 s
